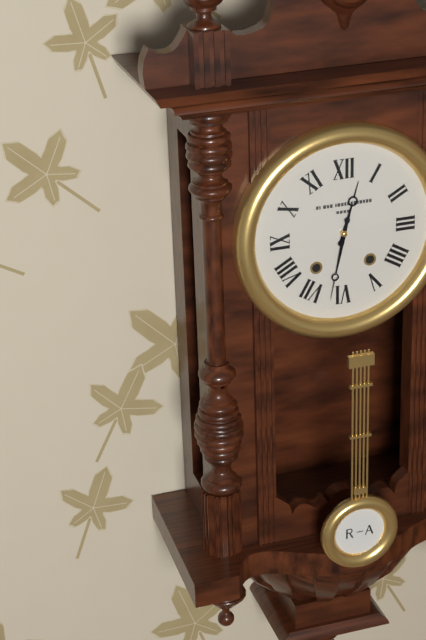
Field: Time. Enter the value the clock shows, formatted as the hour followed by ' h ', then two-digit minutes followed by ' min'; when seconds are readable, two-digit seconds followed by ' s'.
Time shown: 12 h 32 min
